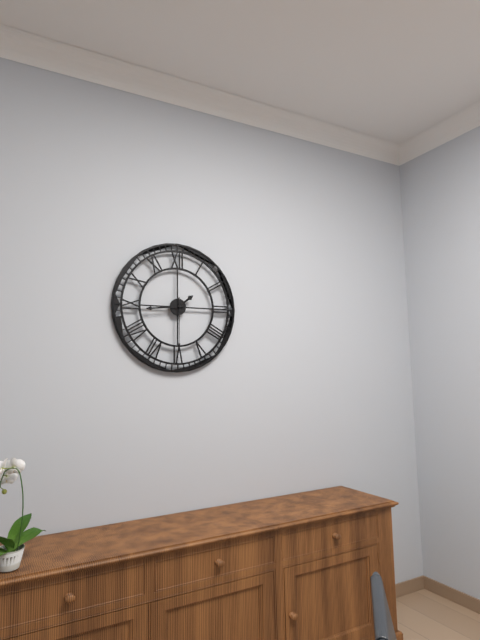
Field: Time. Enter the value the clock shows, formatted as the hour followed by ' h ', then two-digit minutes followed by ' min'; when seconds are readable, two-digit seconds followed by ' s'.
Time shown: 1 h 44 min 30 s
